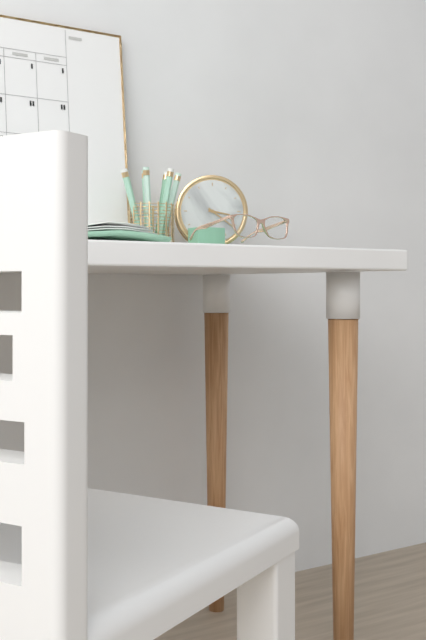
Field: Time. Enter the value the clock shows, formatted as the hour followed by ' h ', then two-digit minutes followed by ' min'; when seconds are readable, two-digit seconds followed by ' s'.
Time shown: 3 h 21 min
